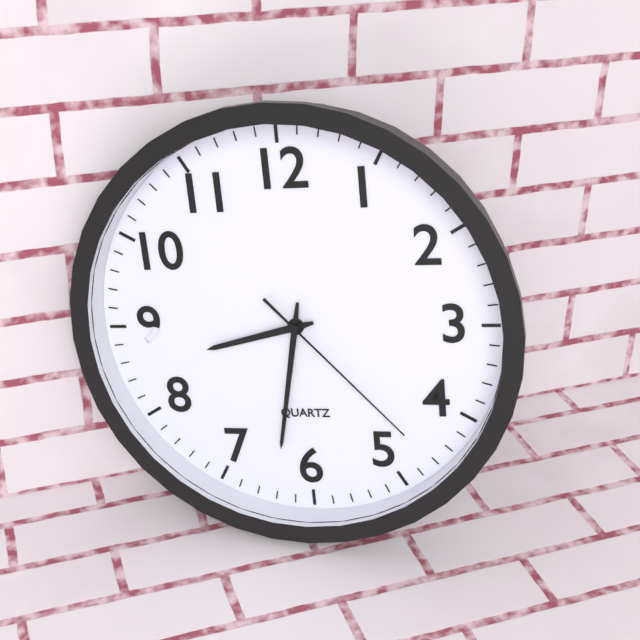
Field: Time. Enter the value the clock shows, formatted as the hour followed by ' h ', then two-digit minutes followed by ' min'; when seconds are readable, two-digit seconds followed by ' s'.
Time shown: 8 h 32 min 23 s
